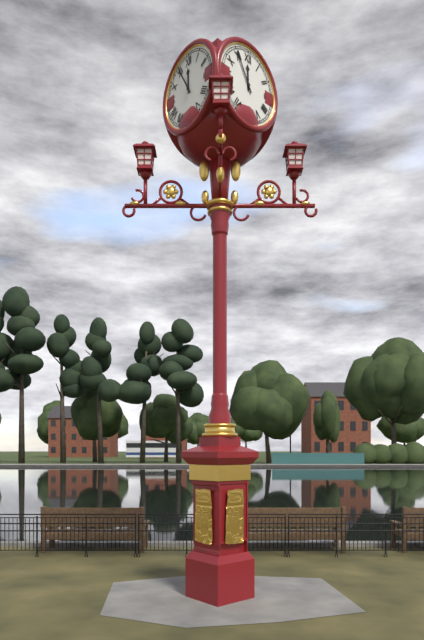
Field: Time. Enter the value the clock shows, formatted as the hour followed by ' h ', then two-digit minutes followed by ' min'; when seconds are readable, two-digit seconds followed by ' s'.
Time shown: 11 h 55 min
